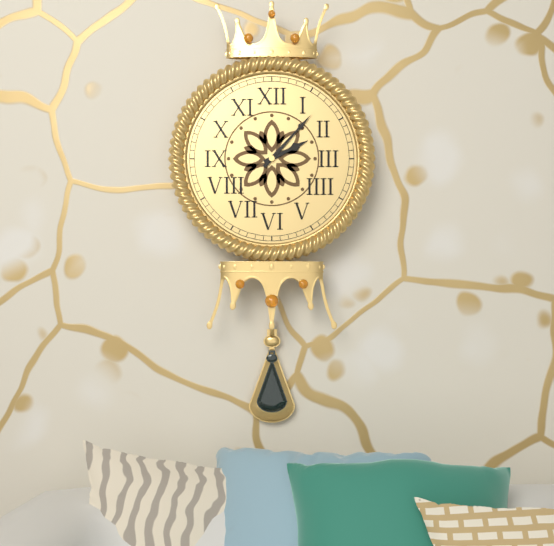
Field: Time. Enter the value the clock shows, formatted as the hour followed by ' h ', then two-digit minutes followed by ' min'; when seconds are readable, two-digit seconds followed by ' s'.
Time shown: 2 h 07 min
